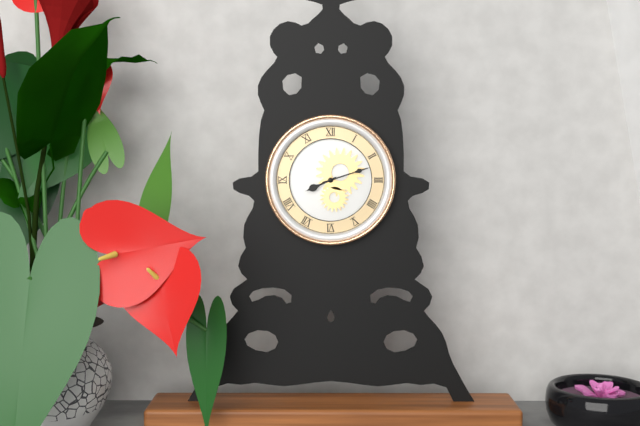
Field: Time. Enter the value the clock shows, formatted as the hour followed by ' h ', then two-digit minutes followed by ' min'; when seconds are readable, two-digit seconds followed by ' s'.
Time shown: 8 h 12 min
